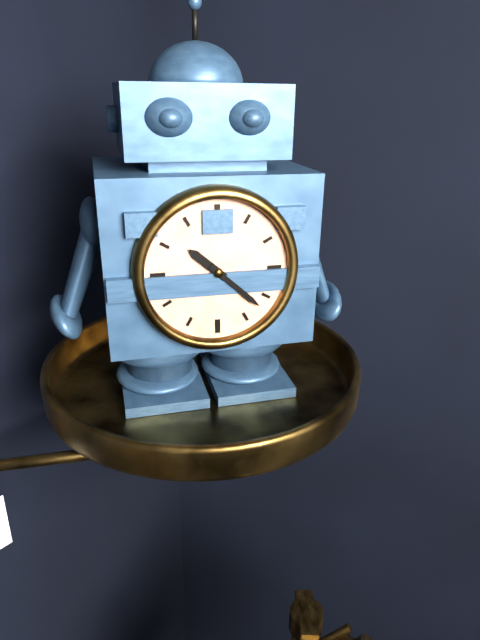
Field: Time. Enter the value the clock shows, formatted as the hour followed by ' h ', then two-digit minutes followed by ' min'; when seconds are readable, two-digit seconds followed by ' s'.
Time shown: 10 h 22 min
